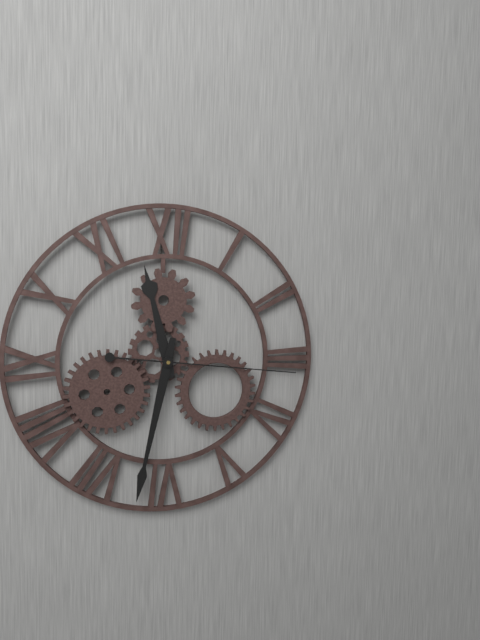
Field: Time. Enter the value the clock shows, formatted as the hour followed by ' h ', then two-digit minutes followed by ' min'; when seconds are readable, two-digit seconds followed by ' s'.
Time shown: 11 h 32 min 16 s
